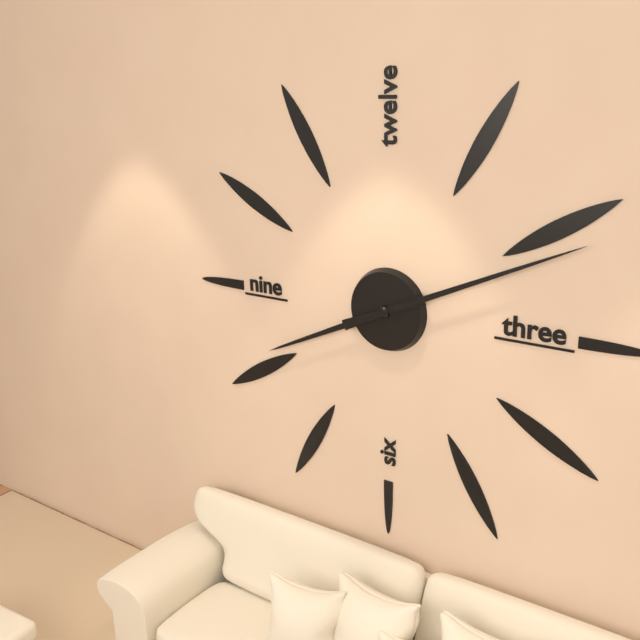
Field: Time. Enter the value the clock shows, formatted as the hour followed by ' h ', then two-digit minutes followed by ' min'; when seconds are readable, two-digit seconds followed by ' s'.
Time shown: 8 h 11 min
